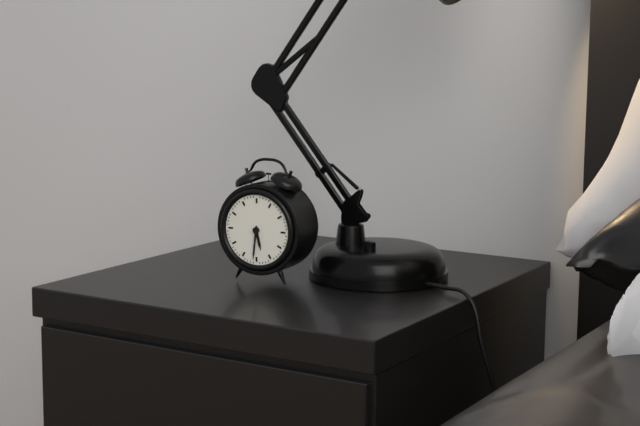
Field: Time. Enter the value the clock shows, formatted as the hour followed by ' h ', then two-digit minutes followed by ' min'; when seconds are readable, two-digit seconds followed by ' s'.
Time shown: 5 h 31 min
